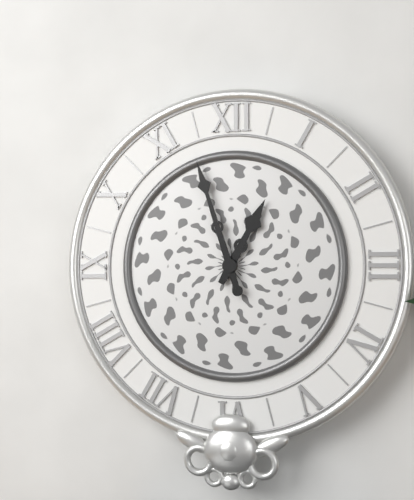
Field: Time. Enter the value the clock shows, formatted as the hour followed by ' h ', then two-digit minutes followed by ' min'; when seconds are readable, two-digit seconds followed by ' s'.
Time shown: 12 h 57 min
